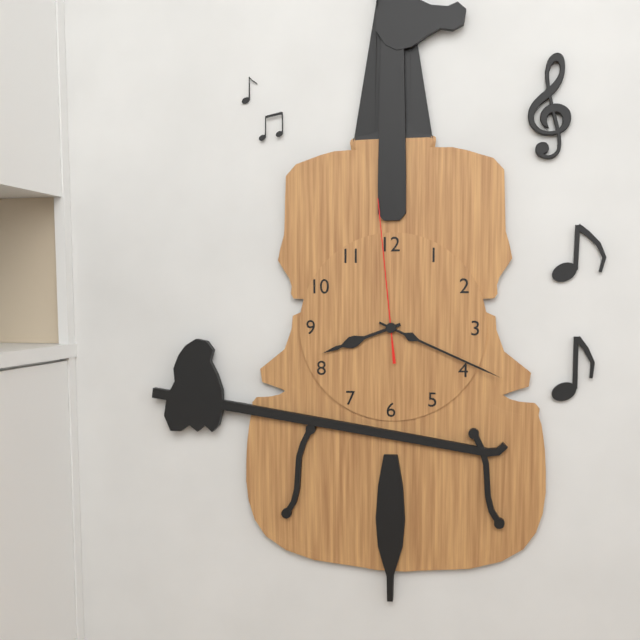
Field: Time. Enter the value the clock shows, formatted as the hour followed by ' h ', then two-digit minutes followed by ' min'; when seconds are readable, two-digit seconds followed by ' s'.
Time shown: 8 h 19 min 59 s
